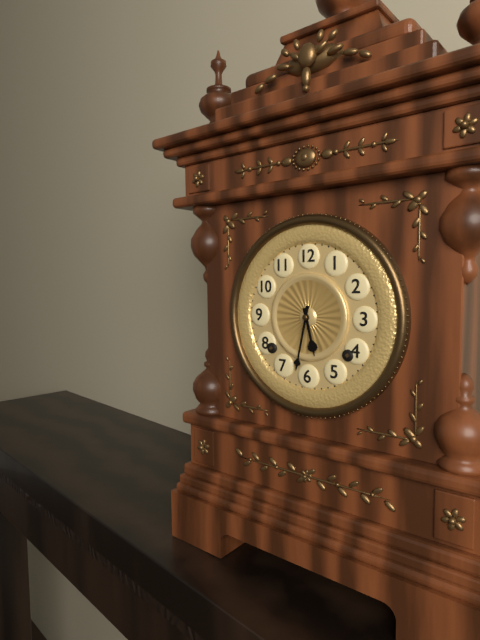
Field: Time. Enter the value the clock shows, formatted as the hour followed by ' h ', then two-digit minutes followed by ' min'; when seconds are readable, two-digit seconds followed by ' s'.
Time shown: 5 h 32 min
